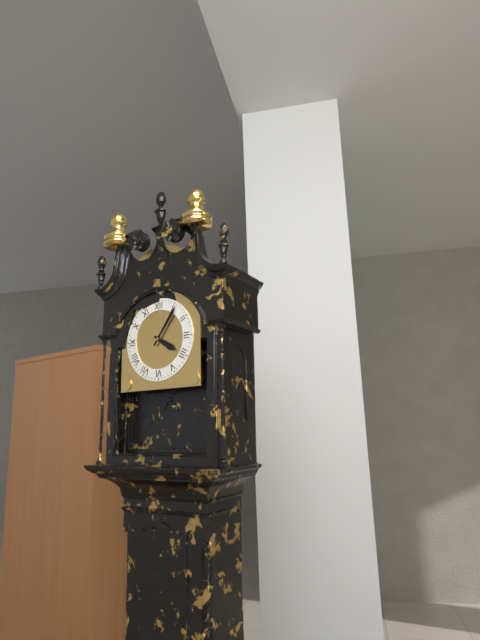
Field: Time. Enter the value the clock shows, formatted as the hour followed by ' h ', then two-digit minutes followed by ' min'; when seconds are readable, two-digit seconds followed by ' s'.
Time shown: 4 h 06 min
